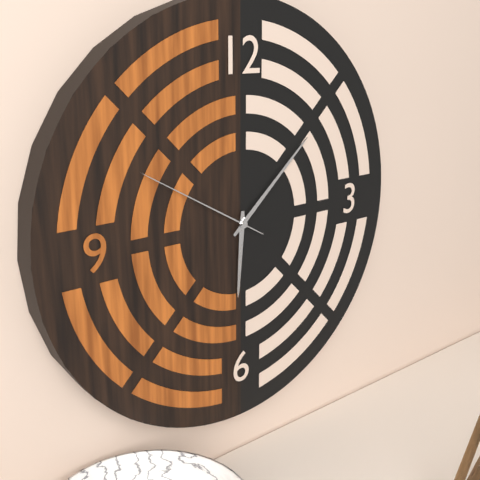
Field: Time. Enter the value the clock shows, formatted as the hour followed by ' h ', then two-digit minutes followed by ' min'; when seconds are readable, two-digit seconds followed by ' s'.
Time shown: 6 h 08 min 50 s
